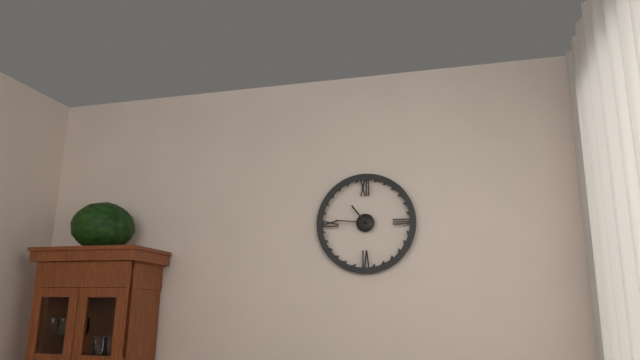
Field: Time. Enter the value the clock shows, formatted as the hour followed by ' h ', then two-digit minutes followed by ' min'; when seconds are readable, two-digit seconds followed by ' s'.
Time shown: 10 h 46 min
